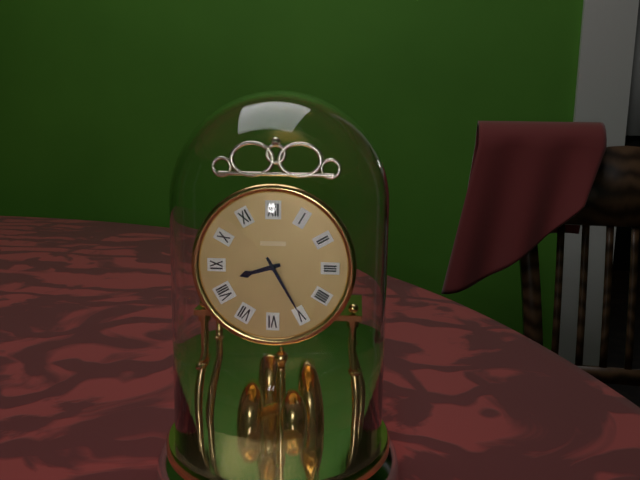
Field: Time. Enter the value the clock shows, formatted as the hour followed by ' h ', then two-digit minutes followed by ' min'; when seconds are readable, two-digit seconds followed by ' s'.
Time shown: 8 h 25 min
